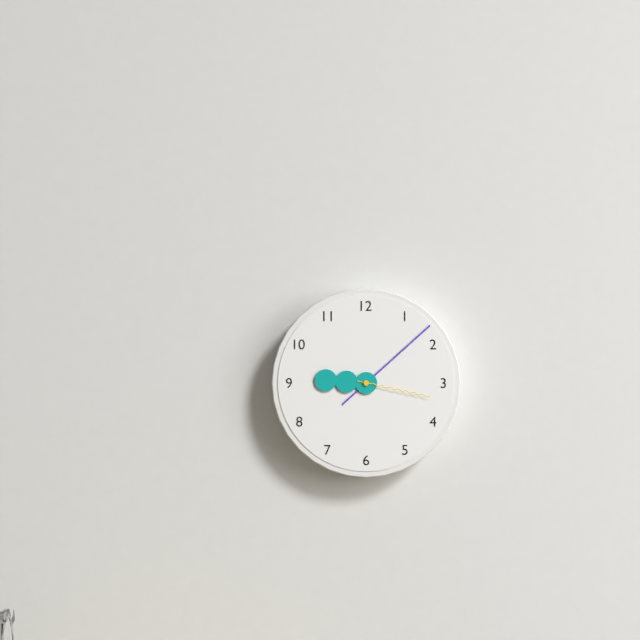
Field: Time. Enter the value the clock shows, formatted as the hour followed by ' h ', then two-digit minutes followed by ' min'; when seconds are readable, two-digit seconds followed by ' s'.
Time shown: 9 h 08 min 17 s
